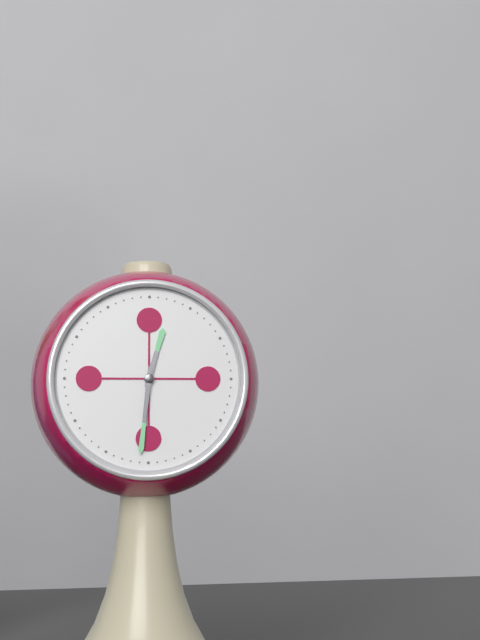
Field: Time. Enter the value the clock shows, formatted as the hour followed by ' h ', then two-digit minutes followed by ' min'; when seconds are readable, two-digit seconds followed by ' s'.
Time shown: 12 h 31 min
